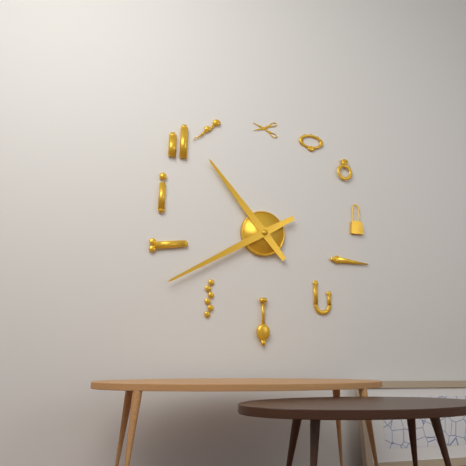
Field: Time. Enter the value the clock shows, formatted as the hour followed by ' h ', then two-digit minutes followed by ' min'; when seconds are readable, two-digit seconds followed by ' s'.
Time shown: 10 h 40 min
